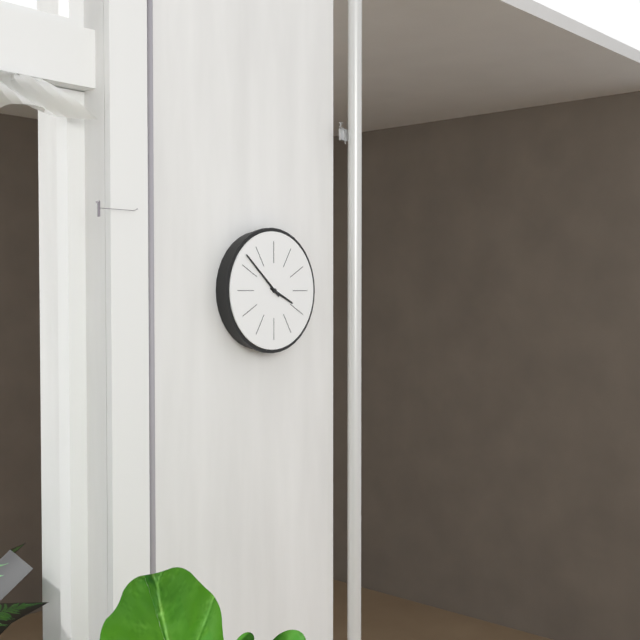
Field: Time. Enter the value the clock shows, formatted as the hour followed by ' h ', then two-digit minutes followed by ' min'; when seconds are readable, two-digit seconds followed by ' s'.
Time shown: 3 h 52 min
